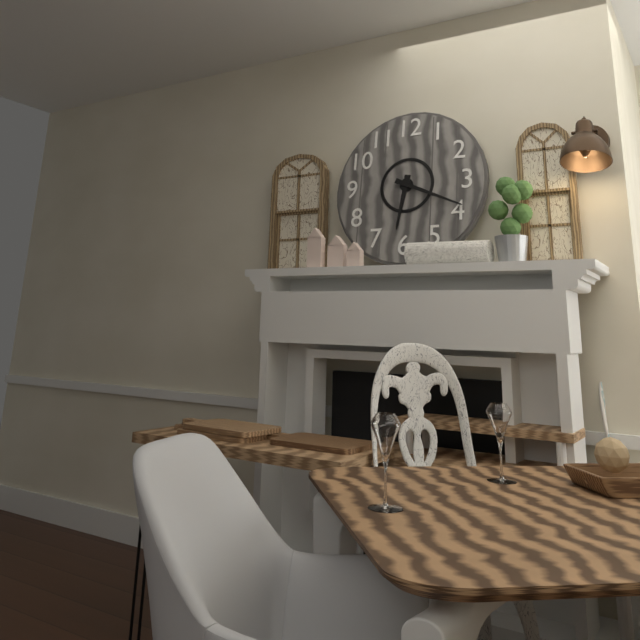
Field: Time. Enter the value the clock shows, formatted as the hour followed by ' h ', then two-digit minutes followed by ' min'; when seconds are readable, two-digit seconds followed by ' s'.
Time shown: 6 h 19 min
